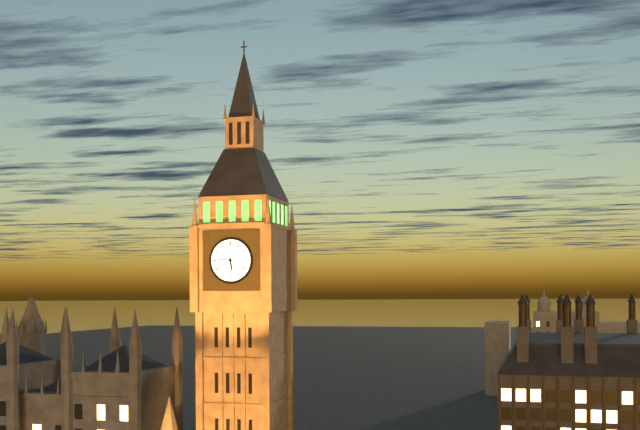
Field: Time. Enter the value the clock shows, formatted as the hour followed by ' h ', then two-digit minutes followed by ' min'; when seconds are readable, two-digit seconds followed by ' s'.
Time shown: 5 h 46 min
